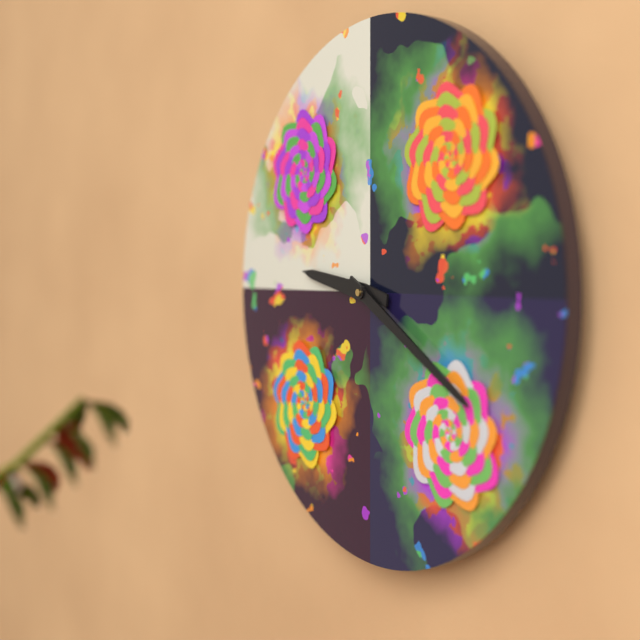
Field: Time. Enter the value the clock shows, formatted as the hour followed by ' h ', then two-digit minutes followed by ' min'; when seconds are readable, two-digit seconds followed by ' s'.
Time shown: 9 h 20 min
